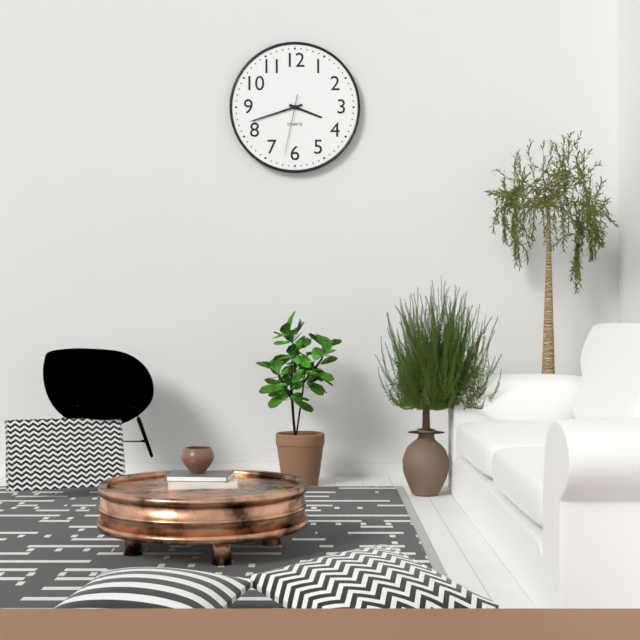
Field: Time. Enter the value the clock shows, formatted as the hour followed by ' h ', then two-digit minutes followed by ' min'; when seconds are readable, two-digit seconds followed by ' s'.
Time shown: 3 h 42 min 32 s
